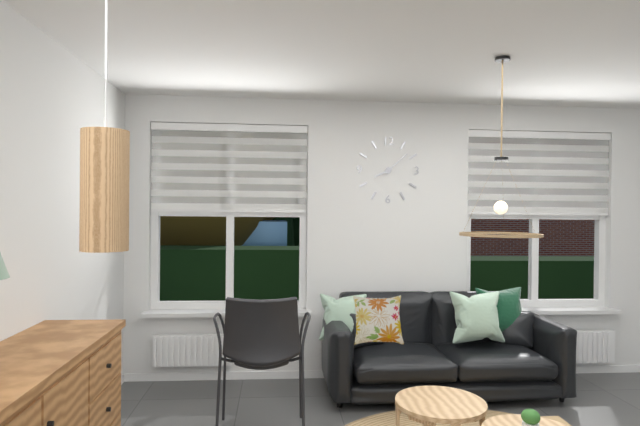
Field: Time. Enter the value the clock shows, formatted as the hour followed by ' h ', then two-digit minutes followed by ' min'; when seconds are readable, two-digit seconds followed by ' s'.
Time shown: 8 h 08 min
